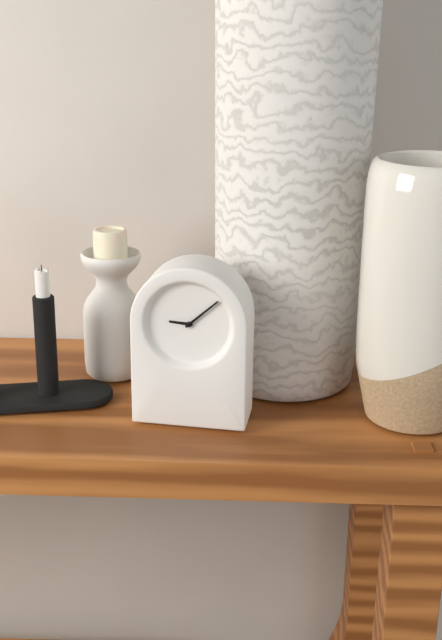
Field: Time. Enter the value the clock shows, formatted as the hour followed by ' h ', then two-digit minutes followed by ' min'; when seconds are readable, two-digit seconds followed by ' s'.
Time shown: 9 h 08 min
